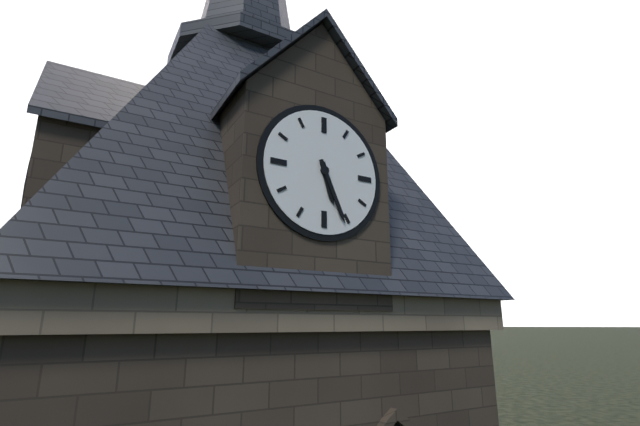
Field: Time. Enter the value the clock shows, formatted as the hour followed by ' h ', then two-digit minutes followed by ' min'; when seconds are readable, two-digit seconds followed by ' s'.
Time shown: 5 h 26 min
